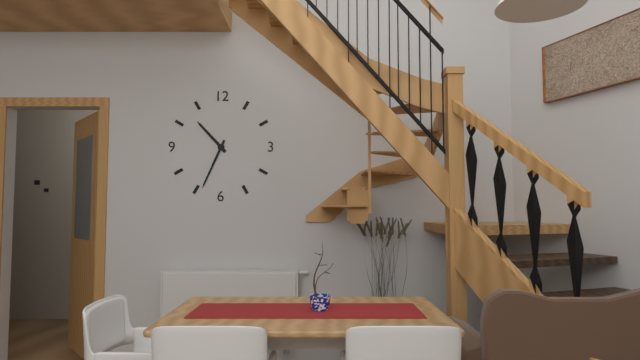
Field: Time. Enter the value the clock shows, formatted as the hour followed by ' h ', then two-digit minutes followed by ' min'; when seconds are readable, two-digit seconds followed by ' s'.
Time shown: 10 h 34 min
